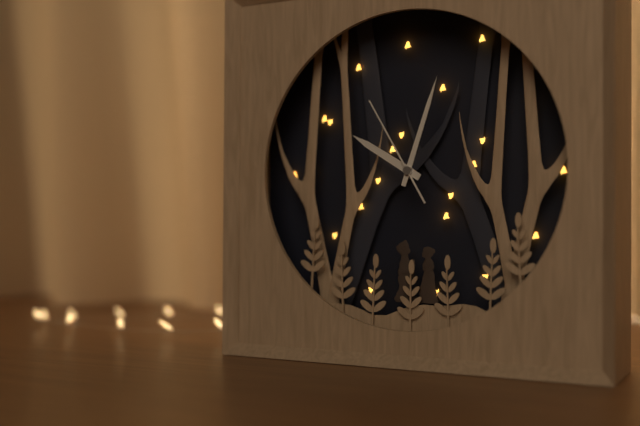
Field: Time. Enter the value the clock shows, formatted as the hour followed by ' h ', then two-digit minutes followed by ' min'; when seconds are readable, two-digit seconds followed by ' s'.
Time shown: 10 h 03 min 55 s
